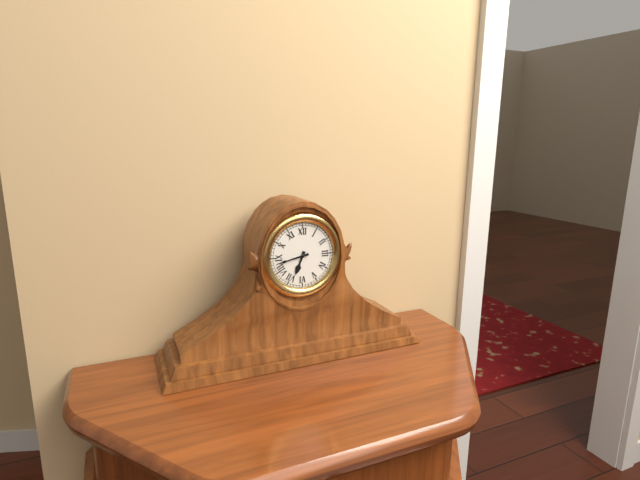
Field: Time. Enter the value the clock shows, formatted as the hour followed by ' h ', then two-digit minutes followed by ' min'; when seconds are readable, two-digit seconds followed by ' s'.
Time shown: 6 h 43 min
